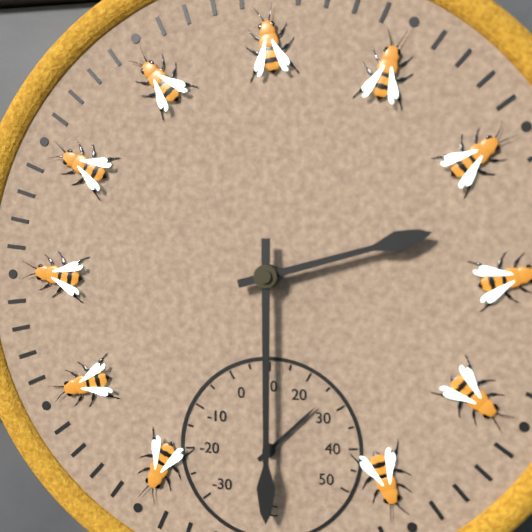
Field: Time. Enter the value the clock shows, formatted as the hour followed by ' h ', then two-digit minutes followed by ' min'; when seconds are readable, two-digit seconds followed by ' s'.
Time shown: 2 h 30 min
